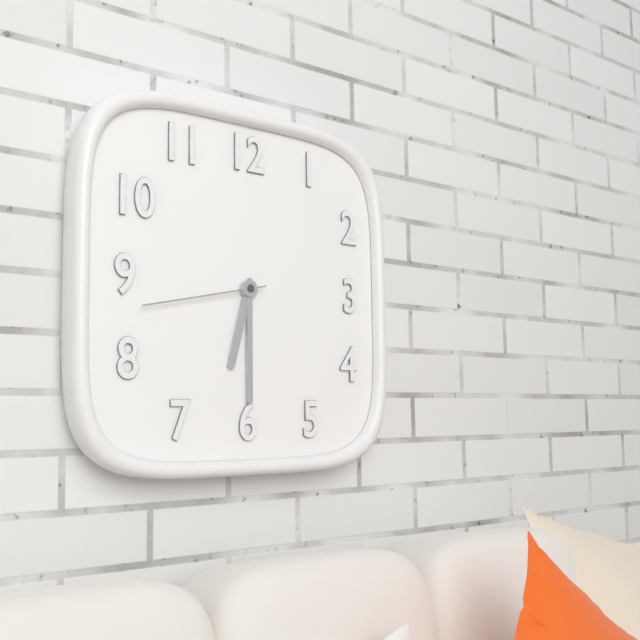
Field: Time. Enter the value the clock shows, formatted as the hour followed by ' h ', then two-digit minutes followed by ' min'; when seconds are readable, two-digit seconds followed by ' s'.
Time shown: 6 h 30 min 43 s
